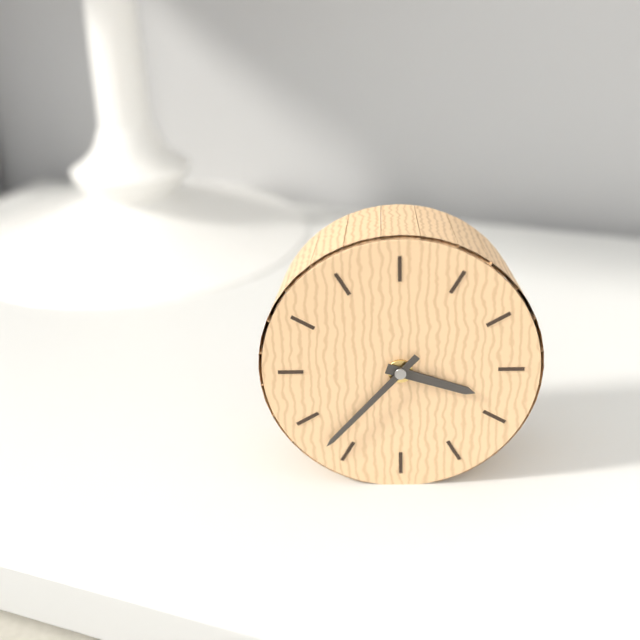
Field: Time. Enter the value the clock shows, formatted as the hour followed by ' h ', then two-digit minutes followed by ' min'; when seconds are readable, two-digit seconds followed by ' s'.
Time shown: 3 h 37 min
